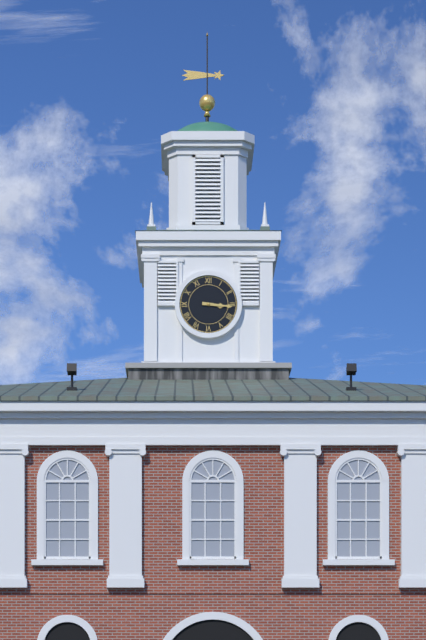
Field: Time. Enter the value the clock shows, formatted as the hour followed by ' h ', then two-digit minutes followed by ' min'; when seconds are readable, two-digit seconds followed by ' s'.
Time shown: 3 h 16 min
